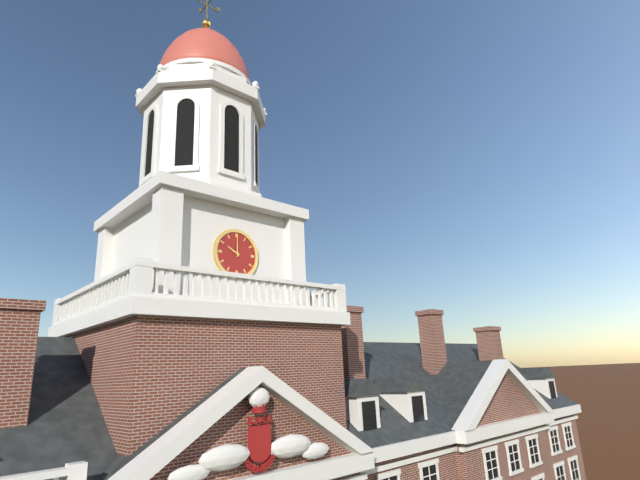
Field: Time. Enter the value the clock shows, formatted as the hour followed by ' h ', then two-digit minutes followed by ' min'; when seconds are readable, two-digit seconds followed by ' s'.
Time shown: 10 h 00 min
